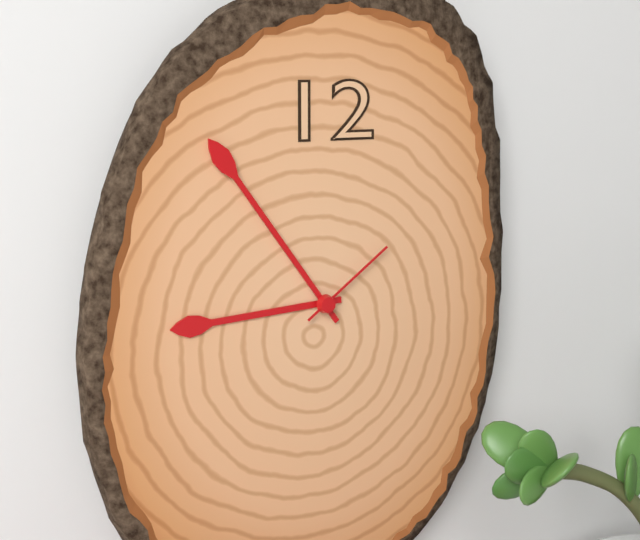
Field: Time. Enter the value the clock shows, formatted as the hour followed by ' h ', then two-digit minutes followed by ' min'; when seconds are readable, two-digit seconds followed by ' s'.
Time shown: 8 h 54 min 09 s
